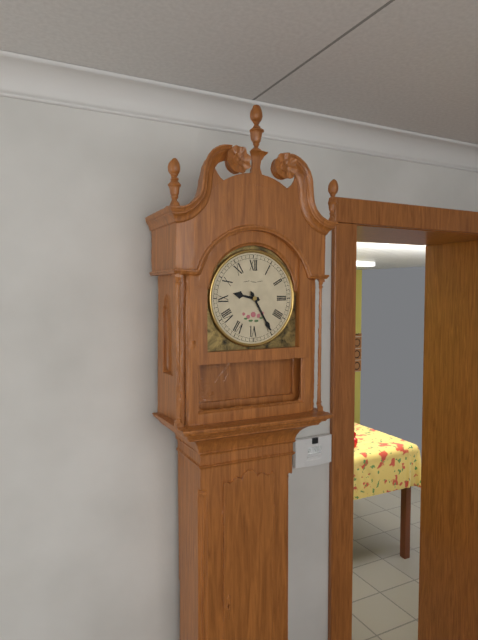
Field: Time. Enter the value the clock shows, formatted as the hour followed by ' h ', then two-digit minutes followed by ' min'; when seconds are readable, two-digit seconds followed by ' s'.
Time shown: 9 h 25 min
